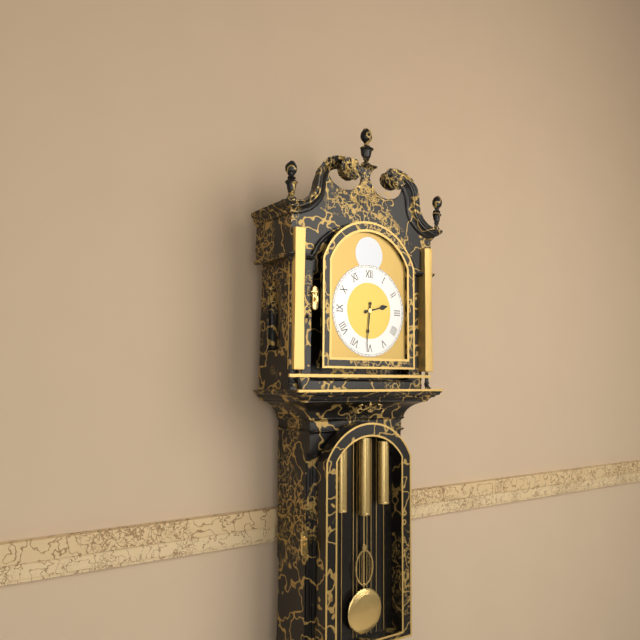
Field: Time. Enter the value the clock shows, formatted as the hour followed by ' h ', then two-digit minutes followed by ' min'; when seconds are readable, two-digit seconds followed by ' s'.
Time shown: 2 h 31 min
